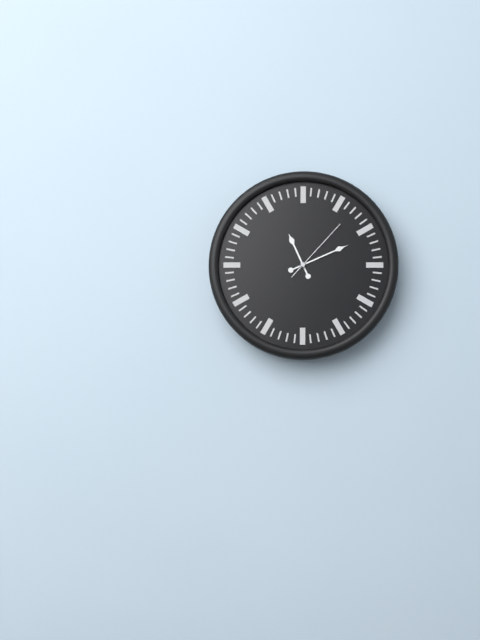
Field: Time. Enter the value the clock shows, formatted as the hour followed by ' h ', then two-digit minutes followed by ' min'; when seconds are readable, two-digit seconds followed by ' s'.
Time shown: 11 h 11 min 07 s
